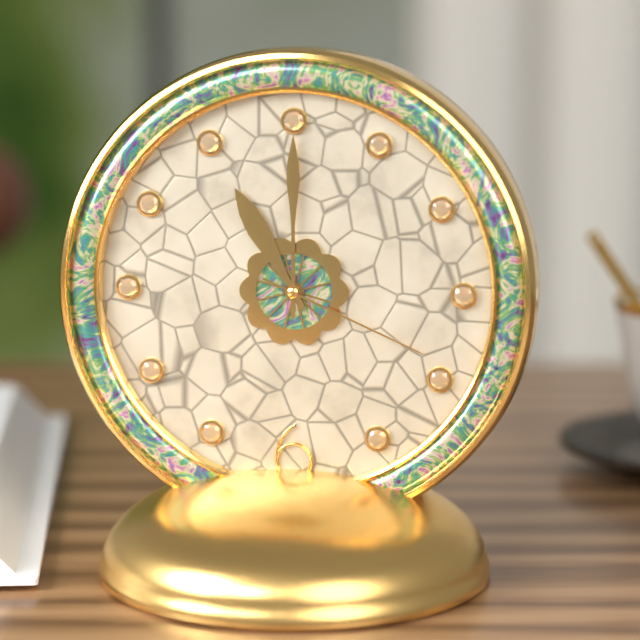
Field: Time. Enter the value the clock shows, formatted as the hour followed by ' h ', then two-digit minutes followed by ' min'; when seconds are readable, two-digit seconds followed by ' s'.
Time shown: 11 h 00 min 19 s
